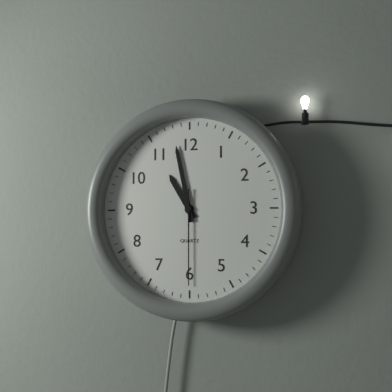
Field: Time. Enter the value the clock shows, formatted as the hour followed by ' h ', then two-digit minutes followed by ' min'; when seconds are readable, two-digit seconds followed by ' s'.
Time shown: 10 h 58 min 30 s
